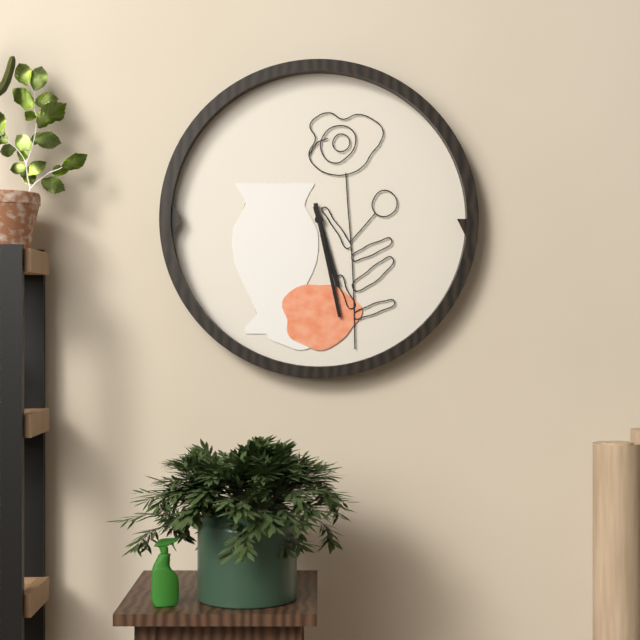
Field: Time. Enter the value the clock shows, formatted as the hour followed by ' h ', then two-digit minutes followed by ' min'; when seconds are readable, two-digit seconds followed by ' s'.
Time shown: 5 h 28 min
